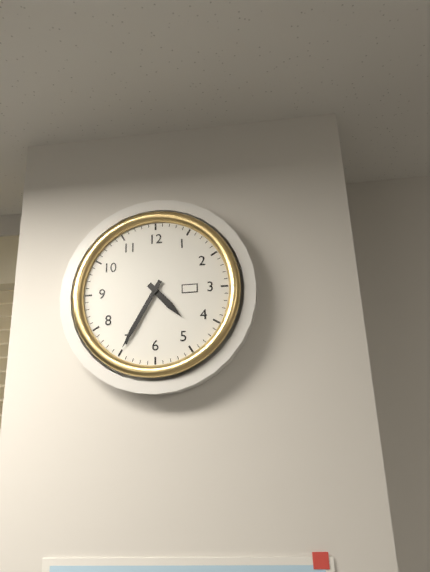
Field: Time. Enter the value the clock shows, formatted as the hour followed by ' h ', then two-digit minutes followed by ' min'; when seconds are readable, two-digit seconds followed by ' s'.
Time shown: 4 h 35 min
